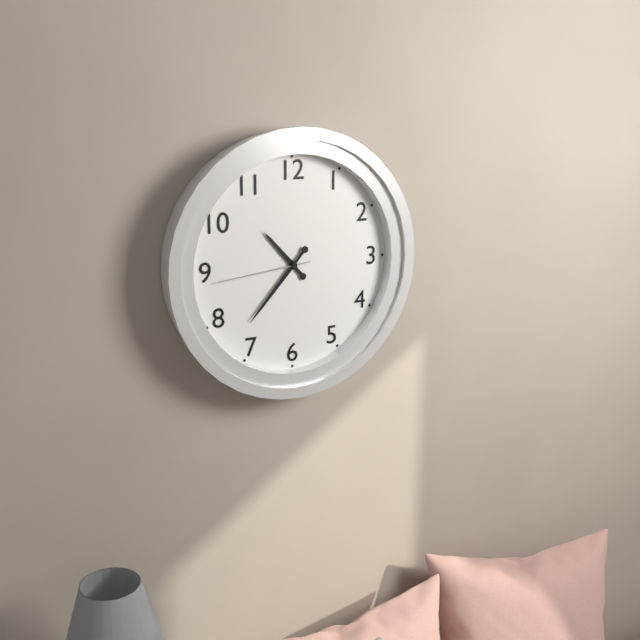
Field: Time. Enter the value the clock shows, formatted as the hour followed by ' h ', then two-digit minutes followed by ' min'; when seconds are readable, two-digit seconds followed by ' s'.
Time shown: 10 h 37 min 44 s
